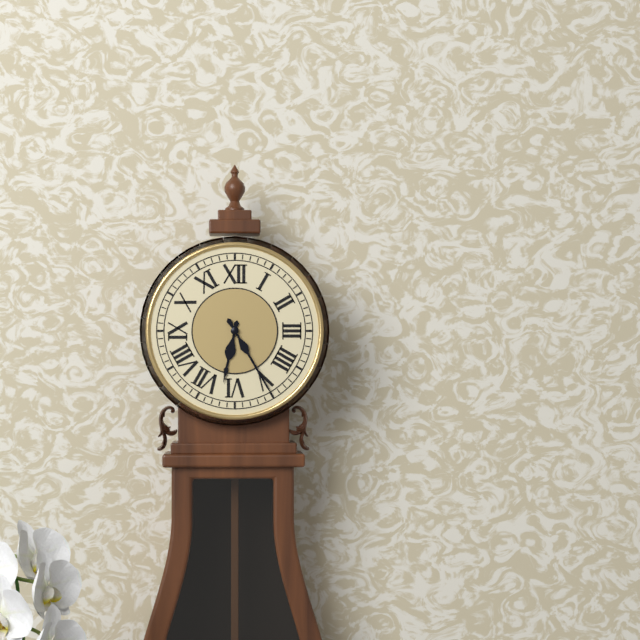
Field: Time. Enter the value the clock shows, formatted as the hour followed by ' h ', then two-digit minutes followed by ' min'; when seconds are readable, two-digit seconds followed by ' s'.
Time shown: 6 h 25 min
